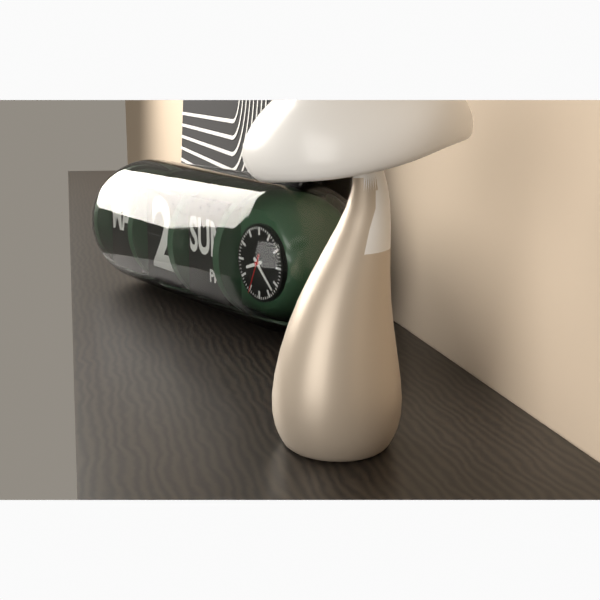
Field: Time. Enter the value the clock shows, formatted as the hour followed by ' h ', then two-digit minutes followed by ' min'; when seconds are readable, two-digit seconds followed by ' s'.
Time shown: 8 h 22 min
